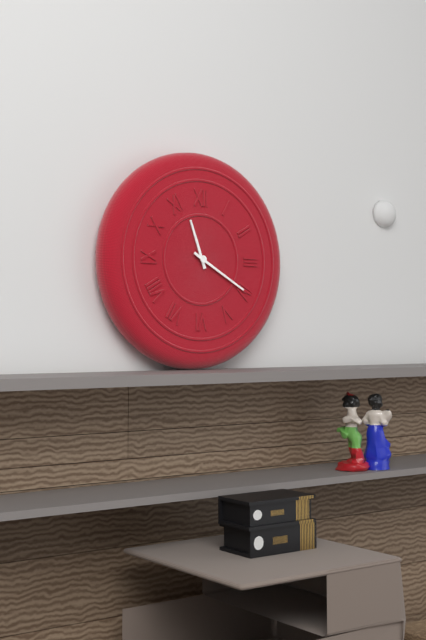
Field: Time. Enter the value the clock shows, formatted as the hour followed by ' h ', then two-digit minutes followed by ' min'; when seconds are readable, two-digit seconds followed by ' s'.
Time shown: 11 h 20 min
